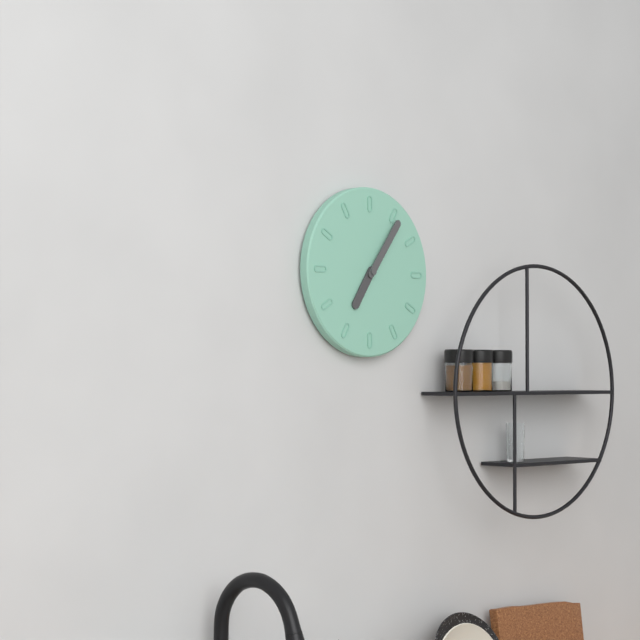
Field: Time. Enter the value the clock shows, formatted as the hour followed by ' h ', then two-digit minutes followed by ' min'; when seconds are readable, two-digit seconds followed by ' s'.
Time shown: 7 h 06 min
